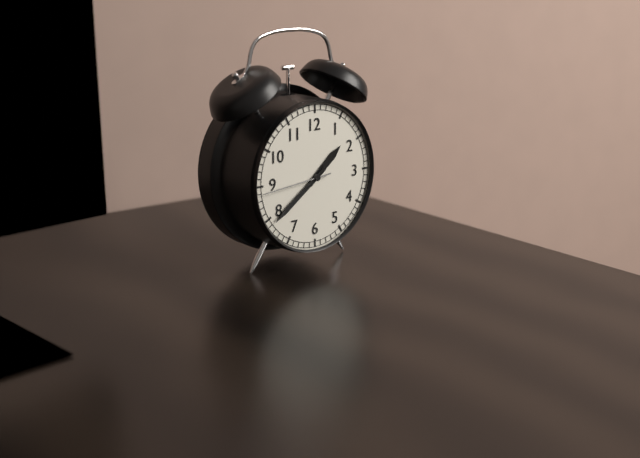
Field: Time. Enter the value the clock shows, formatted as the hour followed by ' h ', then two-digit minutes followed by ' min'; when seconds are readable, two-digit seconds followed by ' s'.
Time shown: 1 h 39 min 44 s
